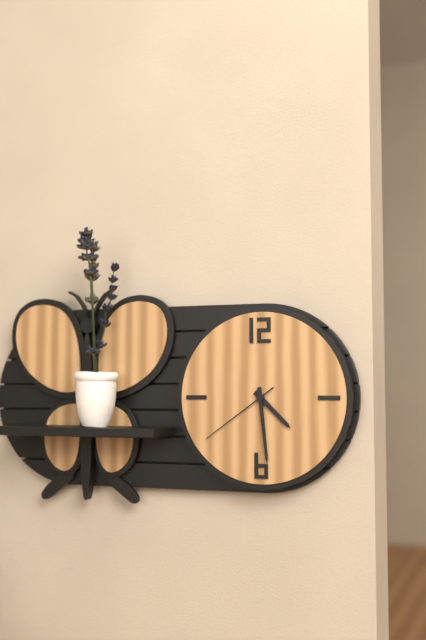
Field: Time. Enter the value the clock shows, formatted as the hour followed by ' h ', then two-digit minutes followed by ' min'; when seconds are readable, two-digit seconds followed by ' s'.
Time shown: 4 h 29 min 39 s
